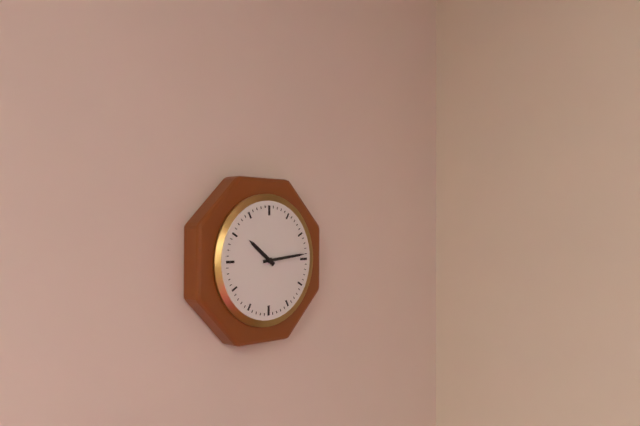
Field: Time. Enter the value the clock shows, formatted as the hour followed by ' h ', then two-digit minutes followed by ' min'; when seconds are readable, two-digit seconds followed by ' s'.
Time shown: 10 h 14 min
